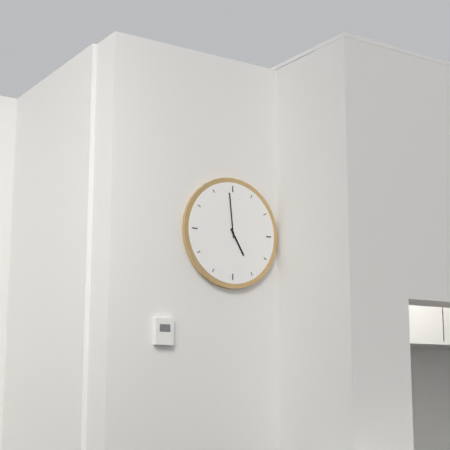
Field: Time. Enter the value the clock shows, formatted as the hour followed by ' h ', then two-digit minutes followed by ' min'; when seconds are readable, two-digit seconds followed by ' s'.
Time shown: 4 h 59 min
